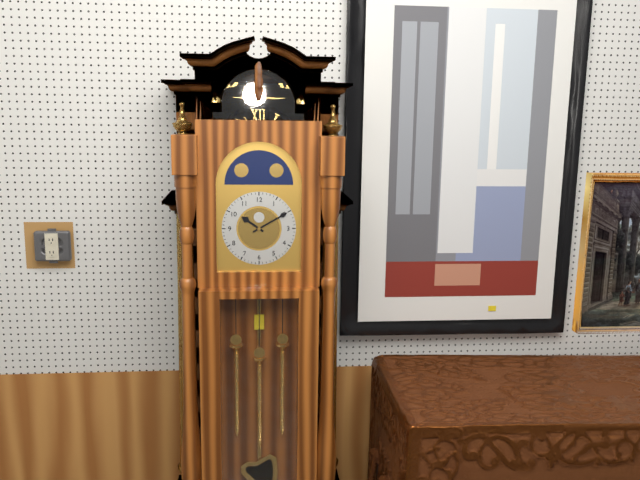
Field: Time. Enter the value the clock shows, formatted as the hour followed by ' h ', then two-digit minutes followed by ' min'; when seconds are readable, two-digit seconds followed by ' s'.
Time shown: 10 h 10 min
